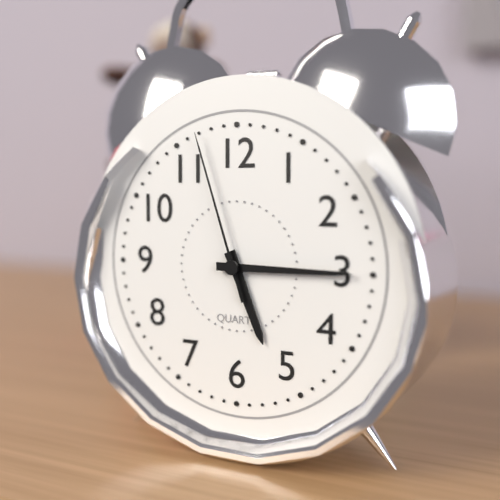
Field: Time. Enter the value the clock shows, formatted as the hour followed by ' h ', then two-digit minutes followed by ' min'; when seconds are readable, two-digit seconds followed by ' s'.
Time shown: 5 h 15 min 57 s
